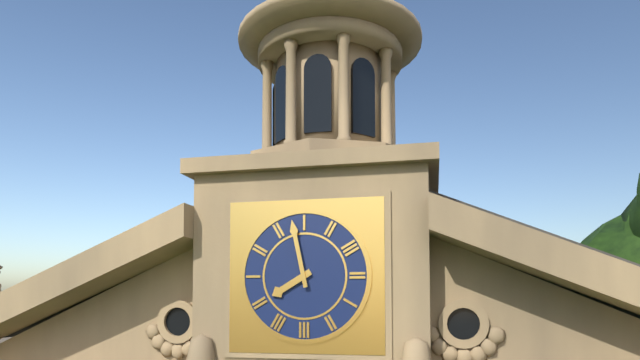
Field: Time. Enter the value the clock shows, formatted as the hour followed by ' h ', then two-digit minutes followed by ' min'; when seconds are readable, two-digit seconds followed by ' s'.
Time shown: 7 h 58 min
